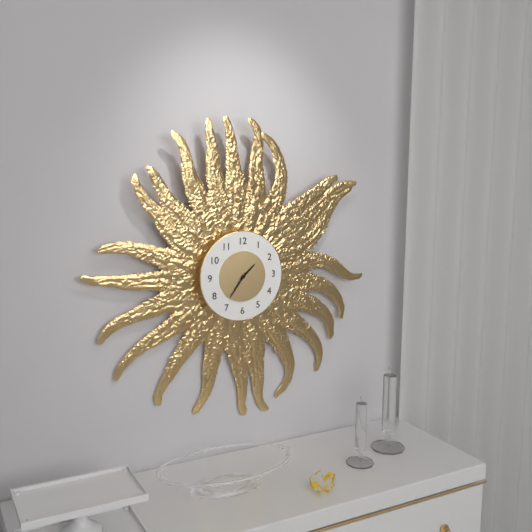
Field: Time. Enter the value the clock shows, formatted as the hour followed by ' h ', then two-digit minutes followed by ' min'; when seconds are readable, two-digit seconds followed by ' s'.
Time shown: 1 h 36 min
